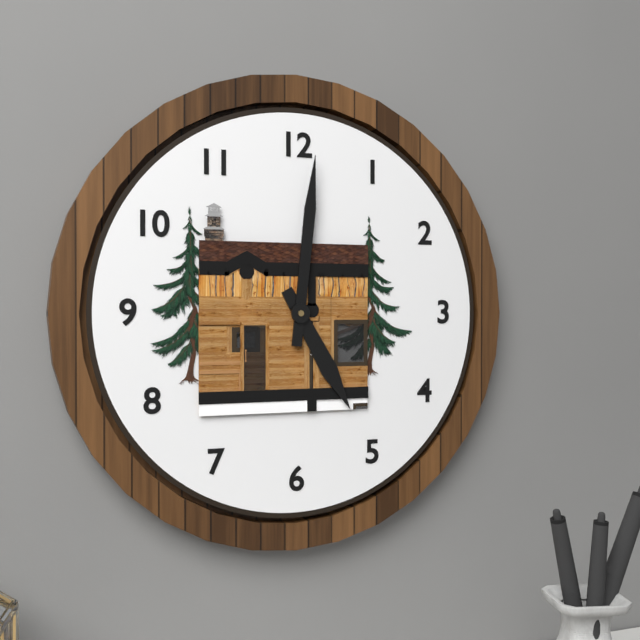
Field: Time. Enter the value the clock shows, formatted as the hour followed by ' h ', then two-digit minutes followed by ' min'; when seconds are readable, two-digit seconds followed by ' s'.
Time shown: 5 h 01 min
